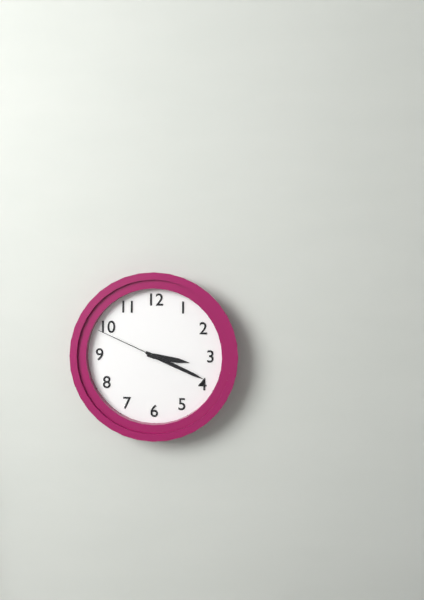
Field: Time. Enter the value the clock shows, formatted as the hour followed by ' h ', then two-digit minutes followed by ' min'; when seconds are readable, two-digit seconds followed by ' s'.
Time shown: 3 h 19 min 49 s
